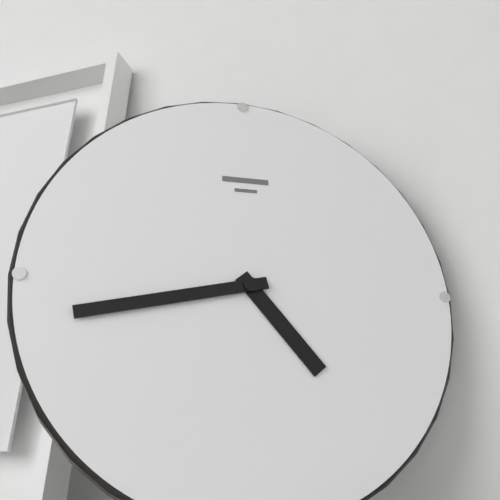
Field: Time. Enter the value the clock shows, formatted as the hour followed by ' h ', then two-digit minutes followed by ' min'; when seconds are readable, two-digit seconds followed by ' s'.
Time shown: 4 h 43 min
